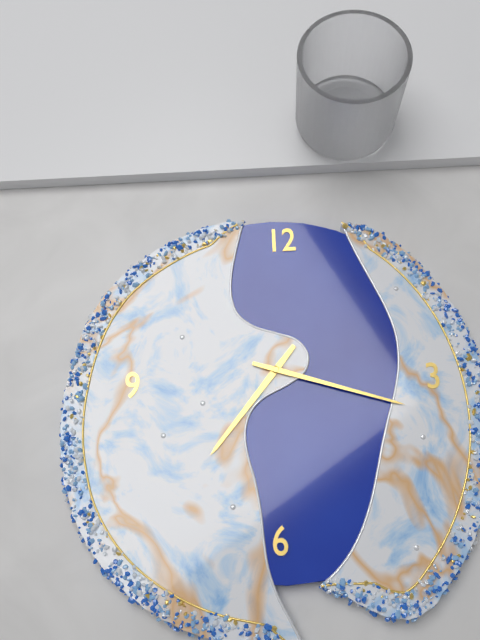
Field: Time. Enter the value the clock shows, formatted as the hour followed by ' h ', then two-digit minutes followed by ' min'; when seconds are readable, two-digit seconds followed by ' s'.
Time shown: 7 h 18 min
